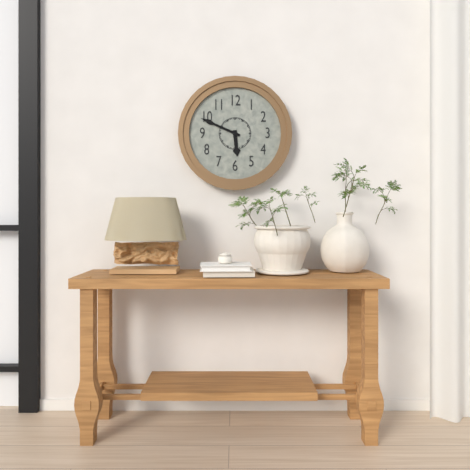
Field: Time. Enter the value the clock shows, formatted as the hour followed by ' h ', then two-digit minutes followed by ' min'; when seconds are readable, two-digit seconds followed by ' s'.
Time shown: 5 h 49 min
